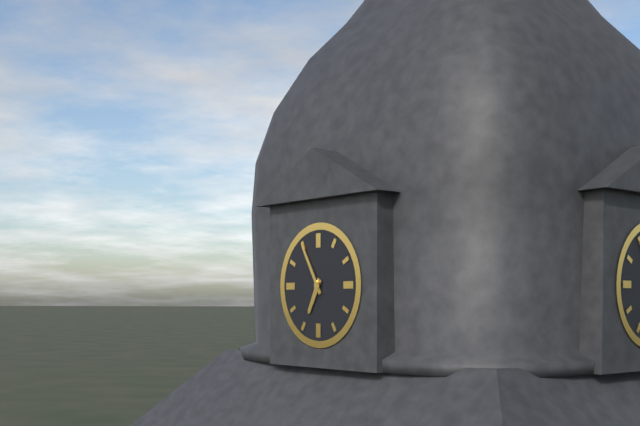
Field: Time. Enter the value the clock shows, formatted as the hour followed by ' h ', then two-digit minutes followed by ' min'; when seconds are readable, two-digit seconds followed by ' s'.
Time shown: 6 h 55 min
